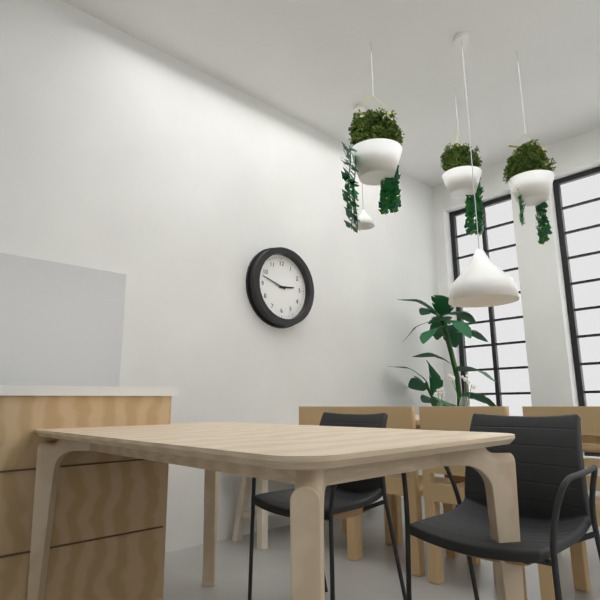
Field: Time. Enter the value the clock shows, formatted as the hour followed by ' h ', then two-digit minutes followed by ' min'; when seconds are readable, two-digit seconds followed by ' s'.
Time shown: 2 h 48 min
